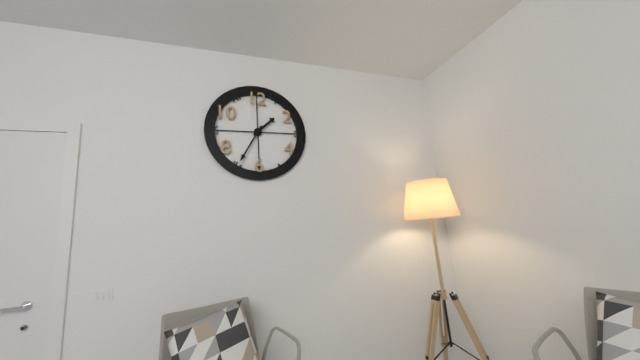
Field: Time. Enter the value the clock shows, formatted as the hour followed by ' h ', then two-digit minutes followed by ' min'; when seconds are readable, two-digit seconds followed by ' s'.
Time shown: 1 h 35 min
